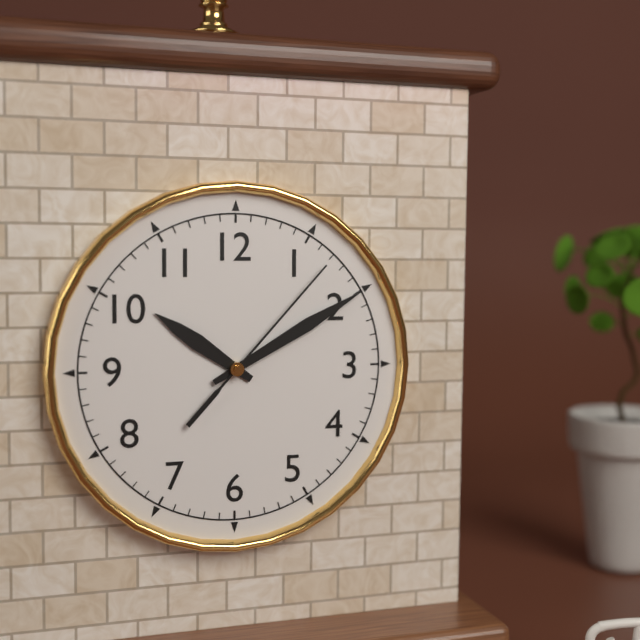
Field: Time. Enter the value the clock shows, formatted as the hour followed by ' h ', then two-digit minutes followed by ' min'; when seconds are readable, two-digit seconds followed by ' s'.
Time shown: 10 h 10 min 07 s
